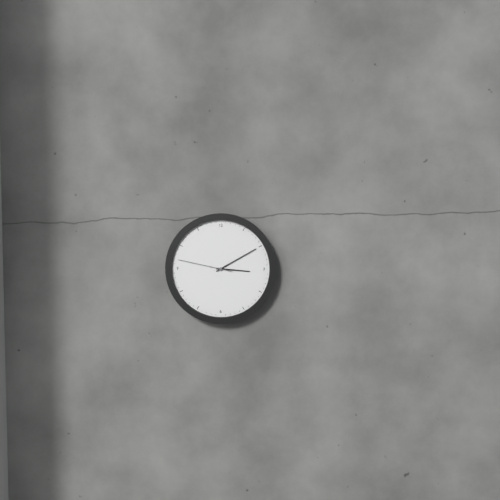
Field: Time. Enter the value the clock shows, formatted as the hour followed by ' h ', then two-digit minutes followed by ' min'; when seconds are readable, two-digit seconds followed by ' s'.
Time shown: 3 h 10 min 47 s
